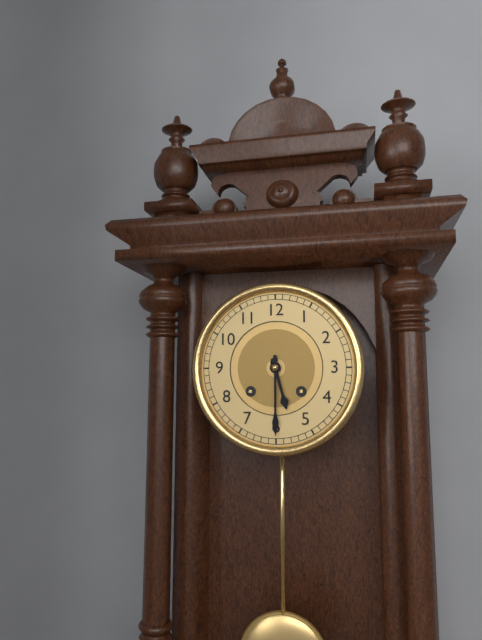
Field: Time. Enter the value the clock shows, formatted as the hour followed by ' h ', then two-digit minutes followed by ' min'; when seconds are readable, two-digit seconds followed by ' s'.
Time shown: 5 h 30 min
